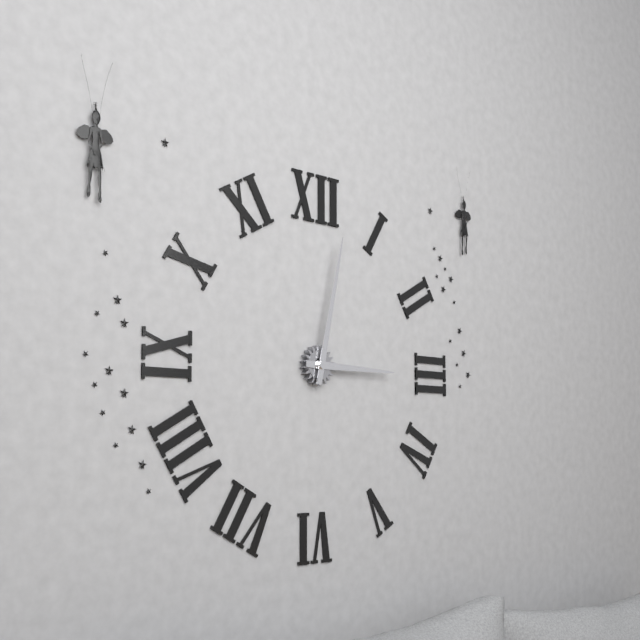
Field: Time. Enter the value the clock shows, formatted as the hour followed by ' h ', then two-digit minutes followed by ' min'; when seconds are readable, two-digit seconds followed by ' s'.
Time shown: 3 h 02 min
